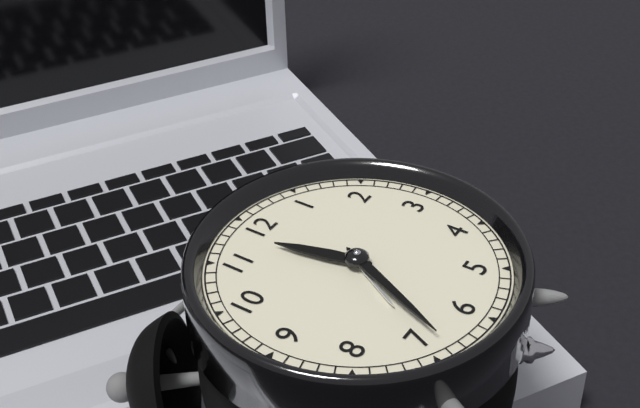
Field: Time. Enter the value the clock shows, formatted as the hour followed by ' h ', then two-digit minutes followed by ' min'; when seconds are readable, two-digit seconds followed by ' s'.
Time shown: 11 h 34 min
